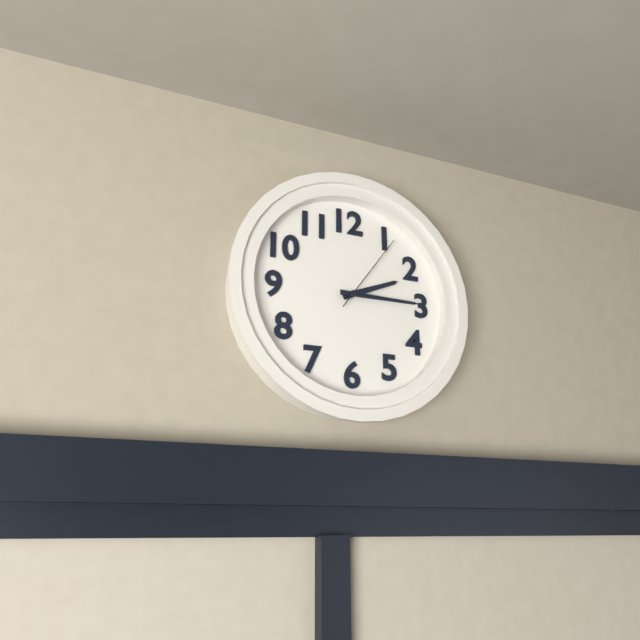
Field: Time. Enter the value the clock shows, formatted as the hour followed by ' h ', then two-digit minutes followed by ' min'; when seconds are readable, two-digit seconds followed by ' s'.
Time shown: 2 h 15 min 06 s
